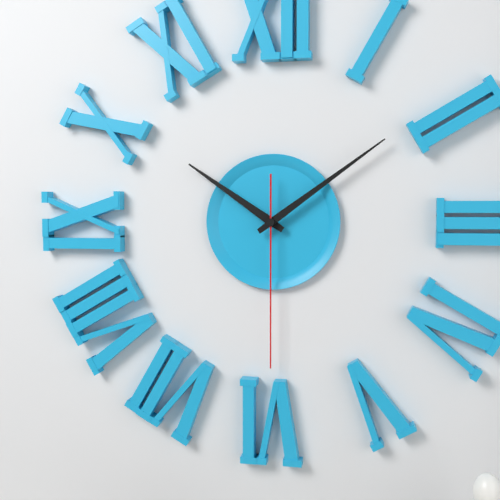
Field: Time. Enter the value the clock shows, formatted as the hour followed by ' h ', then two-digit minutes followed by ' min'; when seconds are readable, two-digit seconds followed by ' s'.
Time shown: 10 h 09 min 30 s
